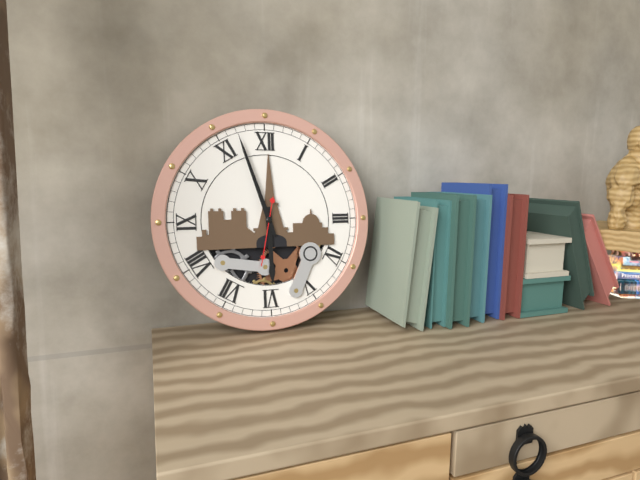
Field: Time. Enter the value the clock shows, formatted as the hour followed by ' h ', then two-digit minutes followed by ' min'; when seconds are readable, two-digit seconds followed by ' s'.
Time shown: 5 h 57 min 32 s
